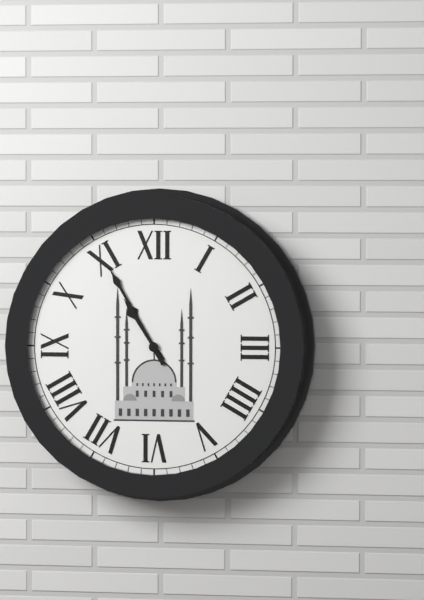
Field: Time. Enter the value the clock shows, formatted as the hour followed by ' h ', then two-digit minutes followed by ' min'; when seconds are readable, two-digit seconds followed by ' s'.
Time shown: 10 h 55 min
